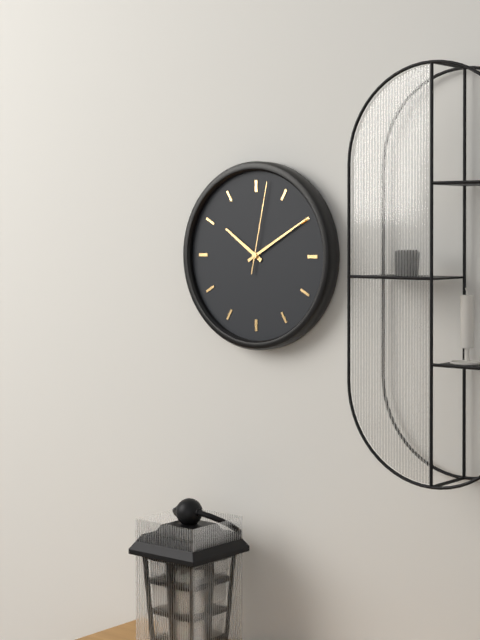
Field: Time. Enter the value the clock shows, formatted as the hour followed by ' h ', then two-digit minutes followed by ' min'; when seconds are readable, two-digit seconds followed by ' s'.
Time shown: 10 h 10 min 02 s
